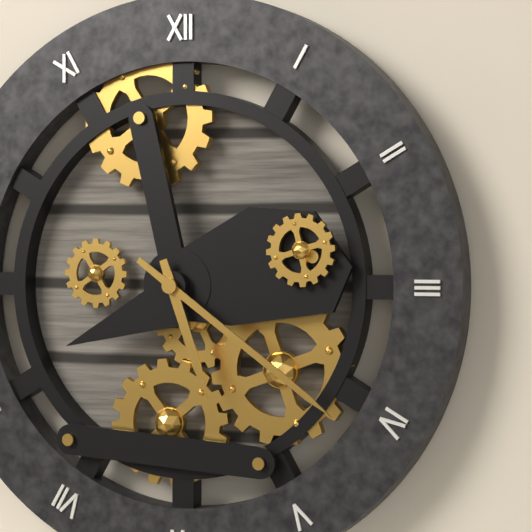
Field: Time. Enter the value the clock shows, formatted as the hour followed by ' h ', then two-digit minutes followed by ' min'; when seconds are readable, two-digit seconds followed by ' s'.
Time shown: 5 h 21 min
